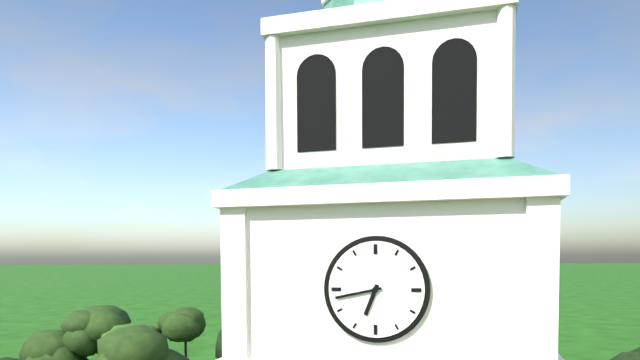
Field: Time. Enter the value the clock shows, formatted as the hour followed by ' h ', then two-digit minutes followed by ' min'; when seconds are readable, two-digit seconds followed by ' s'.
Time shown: 6 h 43 min
